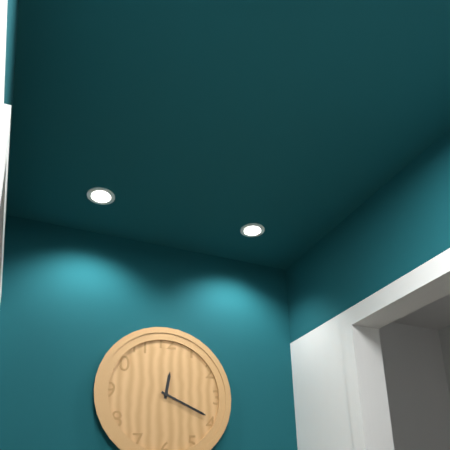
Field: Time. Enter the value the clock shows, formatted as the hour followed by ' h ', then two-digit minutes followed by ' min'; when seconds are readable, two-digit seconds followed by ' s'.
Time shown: 12 h 19 min
